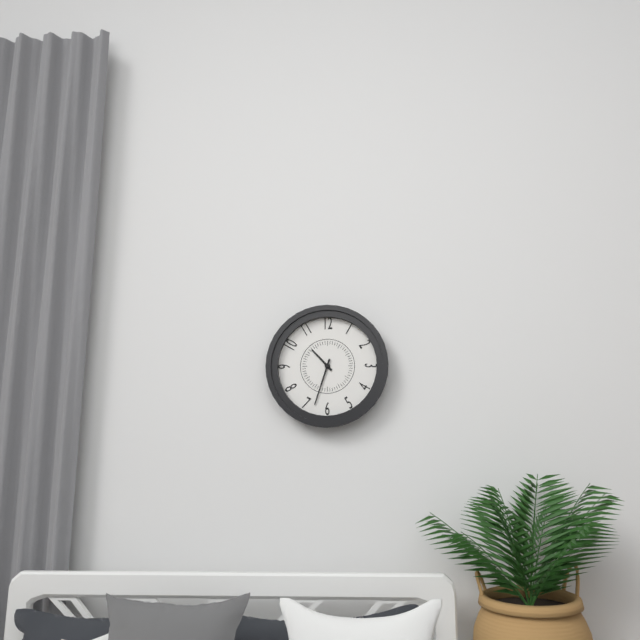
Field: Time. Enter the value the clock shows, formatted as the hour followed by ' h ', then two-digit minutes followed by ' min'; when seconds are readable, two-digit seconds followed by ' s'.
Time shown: 10 h 33 min
